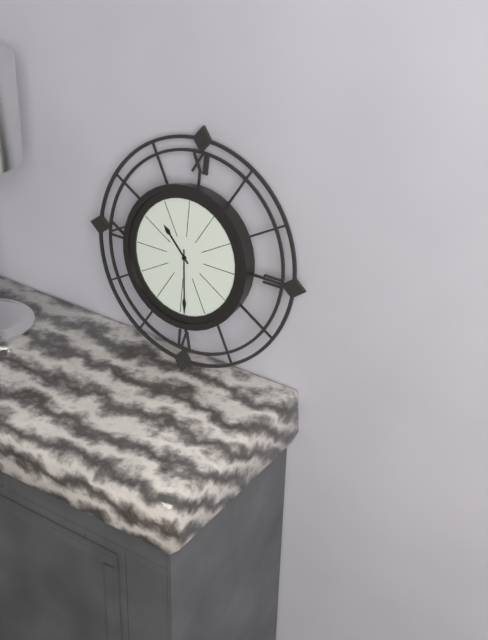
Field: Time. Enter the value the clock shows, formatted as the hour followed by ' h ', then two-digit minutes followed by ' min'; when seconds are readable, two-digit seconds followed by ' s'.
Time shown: 10 h 29 min
